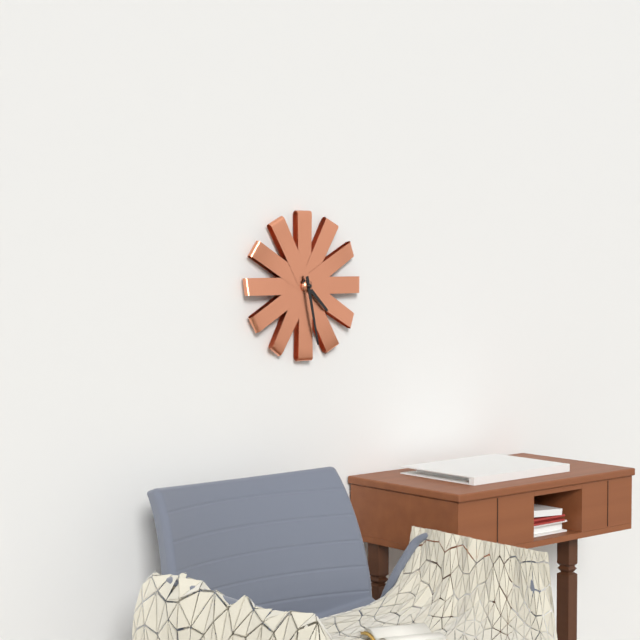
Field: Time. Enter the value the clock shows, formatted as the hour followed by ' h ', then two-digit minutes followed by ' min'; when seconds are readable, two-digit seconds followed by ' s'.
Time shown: 4 h 28 min
